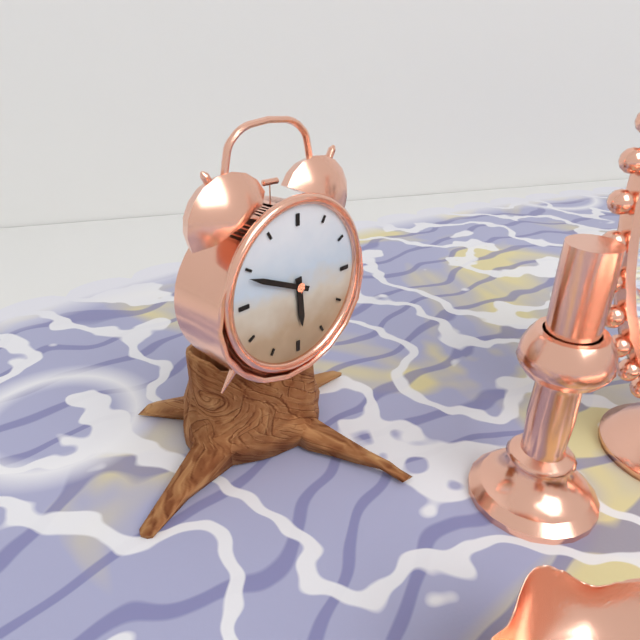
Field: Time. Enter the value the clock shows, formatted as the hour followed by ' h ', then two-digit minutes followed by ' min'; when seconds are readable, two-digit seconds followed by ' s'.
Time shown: 5 h 49 min
